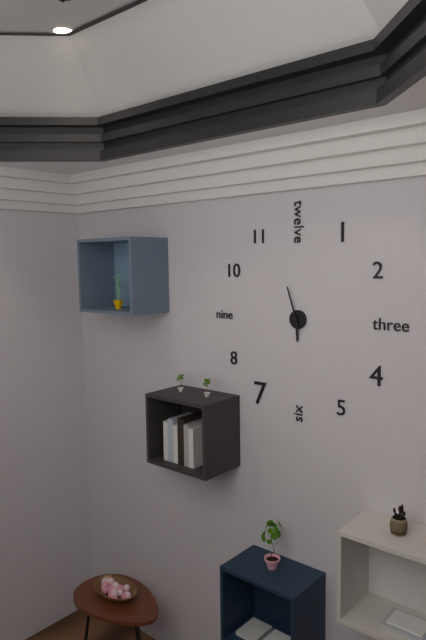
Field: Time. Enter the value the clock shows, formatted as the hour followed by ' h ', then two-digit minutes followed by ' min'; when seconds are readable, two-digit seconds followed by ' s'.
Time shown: 5 h 57 min
